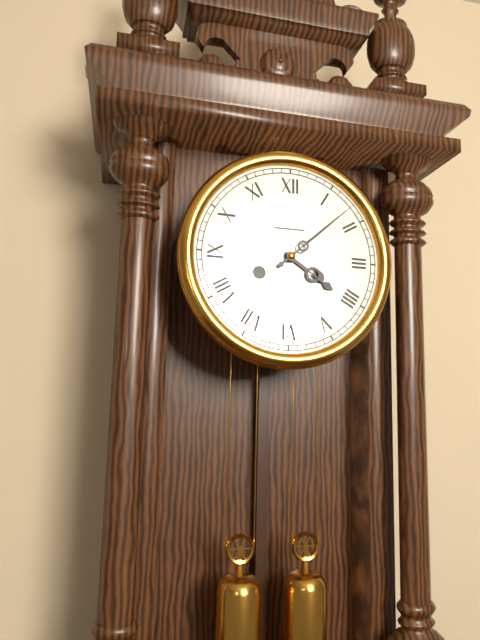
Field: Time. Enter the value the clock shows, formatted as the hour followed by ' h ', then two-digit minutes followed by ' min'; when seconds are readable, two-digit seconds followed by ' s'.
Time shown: 4 h 08 min
